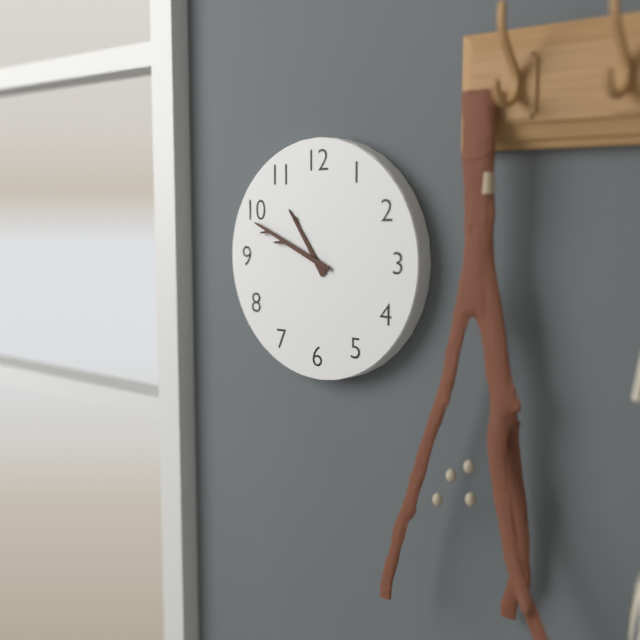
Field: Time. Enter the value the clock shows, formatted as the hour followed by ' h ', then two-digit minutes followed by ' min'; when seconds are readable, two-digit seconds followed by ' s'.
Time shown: 10 h 49 min
